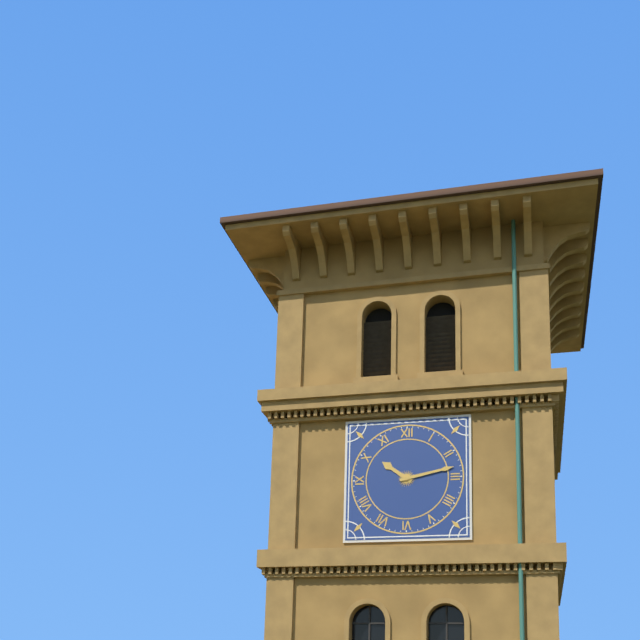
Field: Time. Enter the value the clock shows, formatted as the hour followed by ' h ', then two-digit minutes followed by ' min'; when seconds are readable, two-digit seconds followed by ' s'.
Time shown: 10 h 13 min
